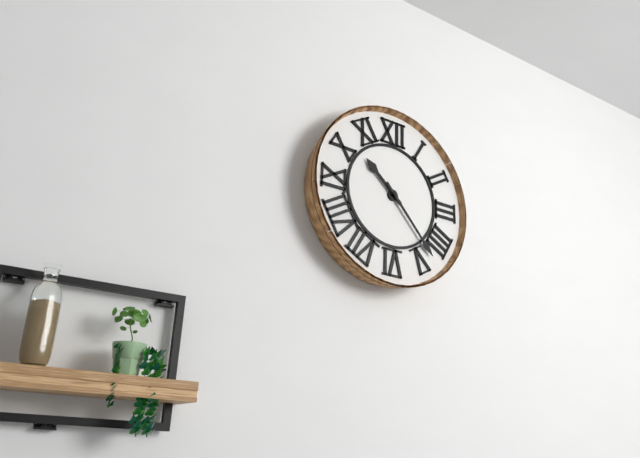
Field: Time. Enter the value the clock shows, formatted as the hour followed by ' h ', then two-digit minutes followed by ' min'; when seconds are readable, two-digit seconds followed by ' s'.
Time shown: 10 h 23 min
